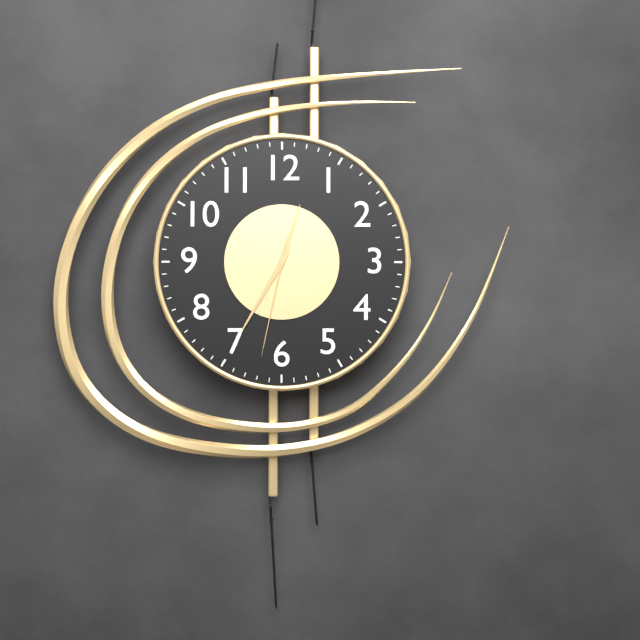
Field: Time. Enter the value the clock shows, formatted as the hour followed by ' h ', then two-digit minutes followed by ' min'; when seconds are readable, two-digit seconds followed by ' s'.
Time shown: 12 h 35 min 32 s
